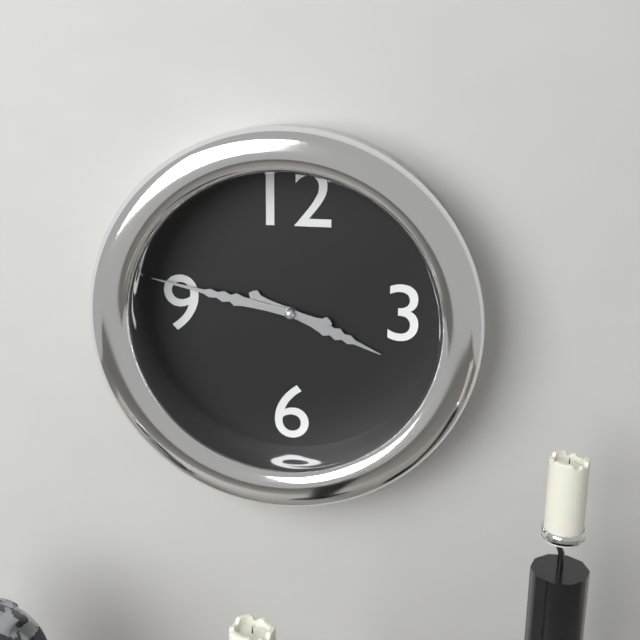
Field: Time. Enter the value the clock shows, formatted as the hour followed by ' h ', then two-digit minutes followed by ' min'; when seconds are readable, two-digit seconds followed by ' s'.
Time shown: 3 h 47 min
